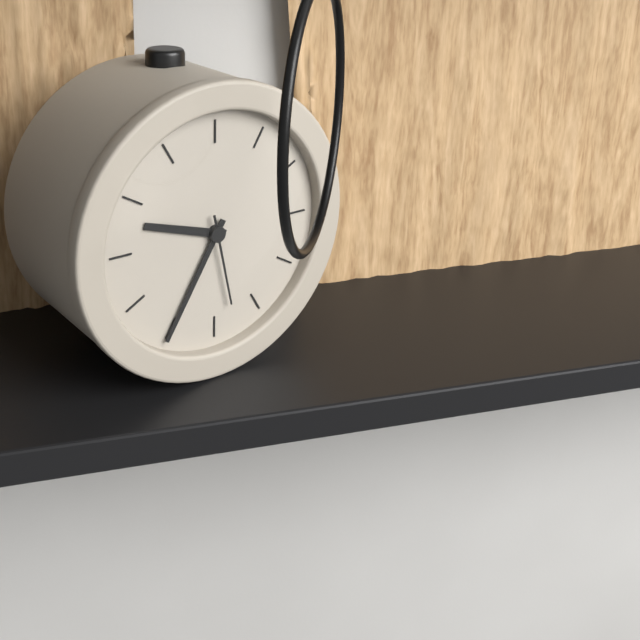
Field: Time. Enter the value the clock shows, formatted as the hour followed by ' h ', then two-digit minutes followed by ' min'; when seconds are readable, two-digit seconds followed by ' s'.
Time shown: 9 h 35 min 28 s
